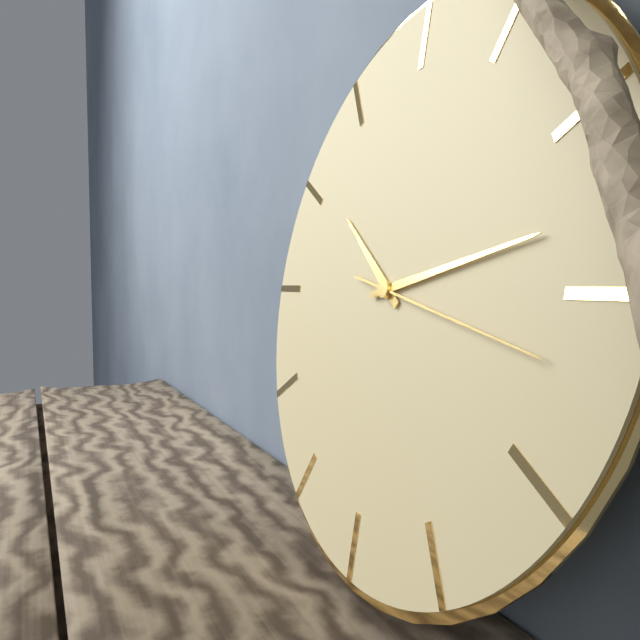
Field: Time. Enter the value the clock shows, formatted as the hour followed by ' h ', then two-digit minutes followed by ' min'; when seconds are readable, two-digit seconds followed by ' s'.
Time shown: 10 h 13 min 17 s
